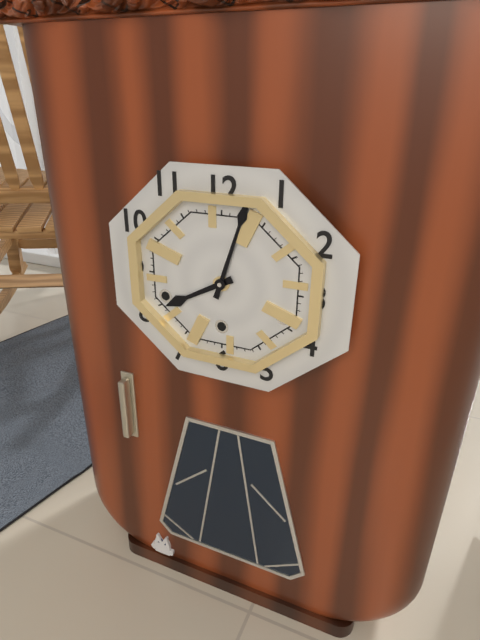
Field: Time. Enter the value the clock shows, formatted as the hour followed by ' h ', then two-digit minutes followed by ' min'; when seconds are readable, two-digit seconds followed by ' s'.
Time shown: 8 h 03 min
